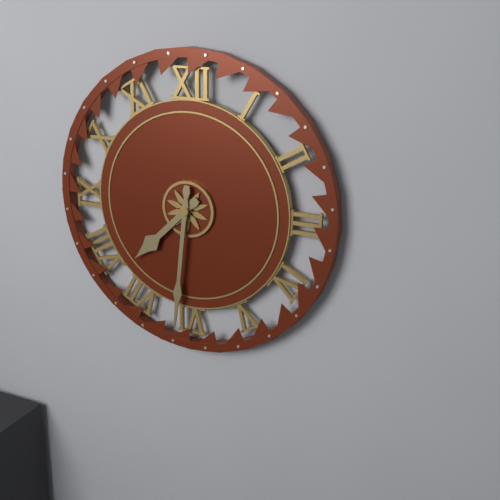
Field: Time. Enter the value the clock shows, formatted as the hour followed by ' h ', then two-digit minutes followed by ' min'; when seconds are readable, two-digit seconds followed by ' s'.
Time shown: 7 h 31 min
